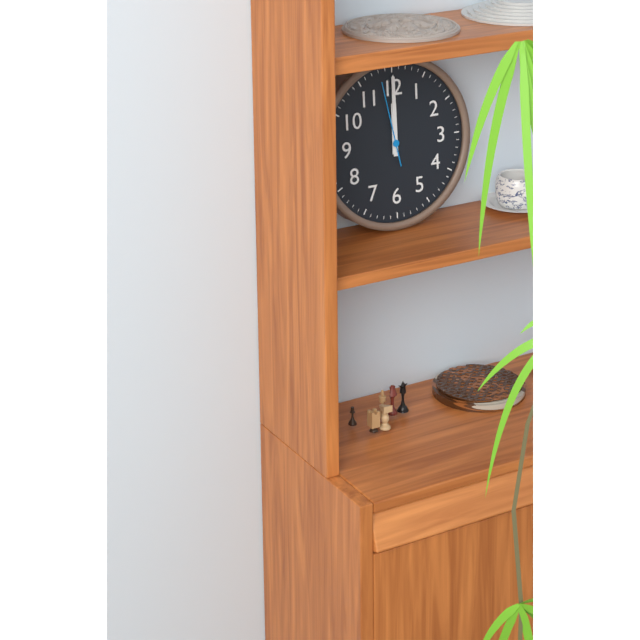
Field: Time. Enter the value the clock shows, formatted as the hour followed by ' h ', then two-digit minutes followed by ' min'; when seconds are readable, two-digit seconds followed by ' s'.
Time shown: 12 h 00 min 58 s
